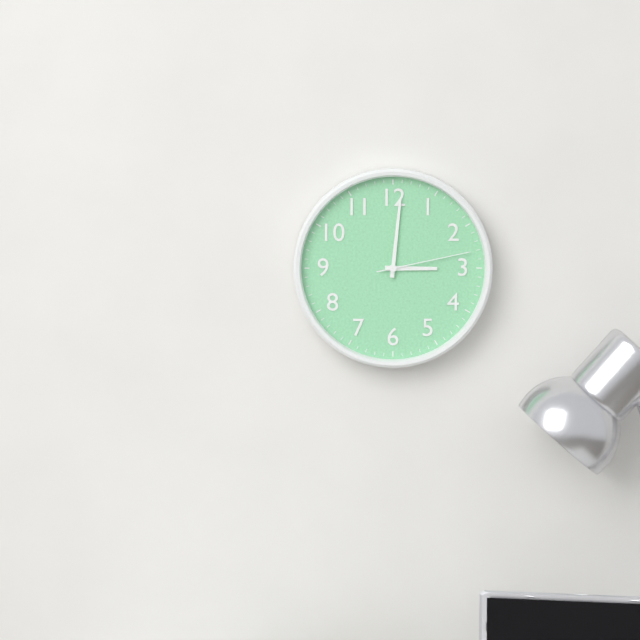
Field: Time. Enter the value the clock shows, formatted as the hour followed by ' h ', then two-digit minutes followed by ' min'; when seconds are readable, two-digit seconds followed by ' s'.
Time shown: 3 h 01 min 13 s
